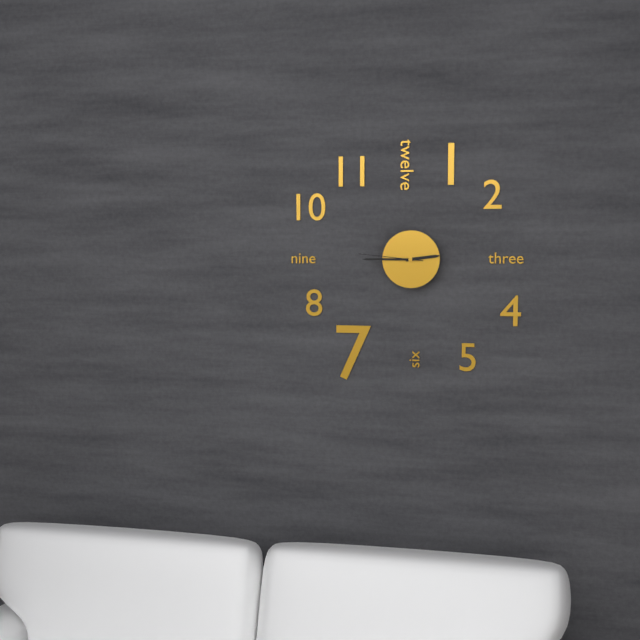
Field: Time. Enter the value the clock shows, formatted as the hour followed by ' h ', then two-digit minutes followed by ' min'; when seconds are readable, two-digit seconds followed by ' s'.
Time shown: 2 h 45 min 46 s
